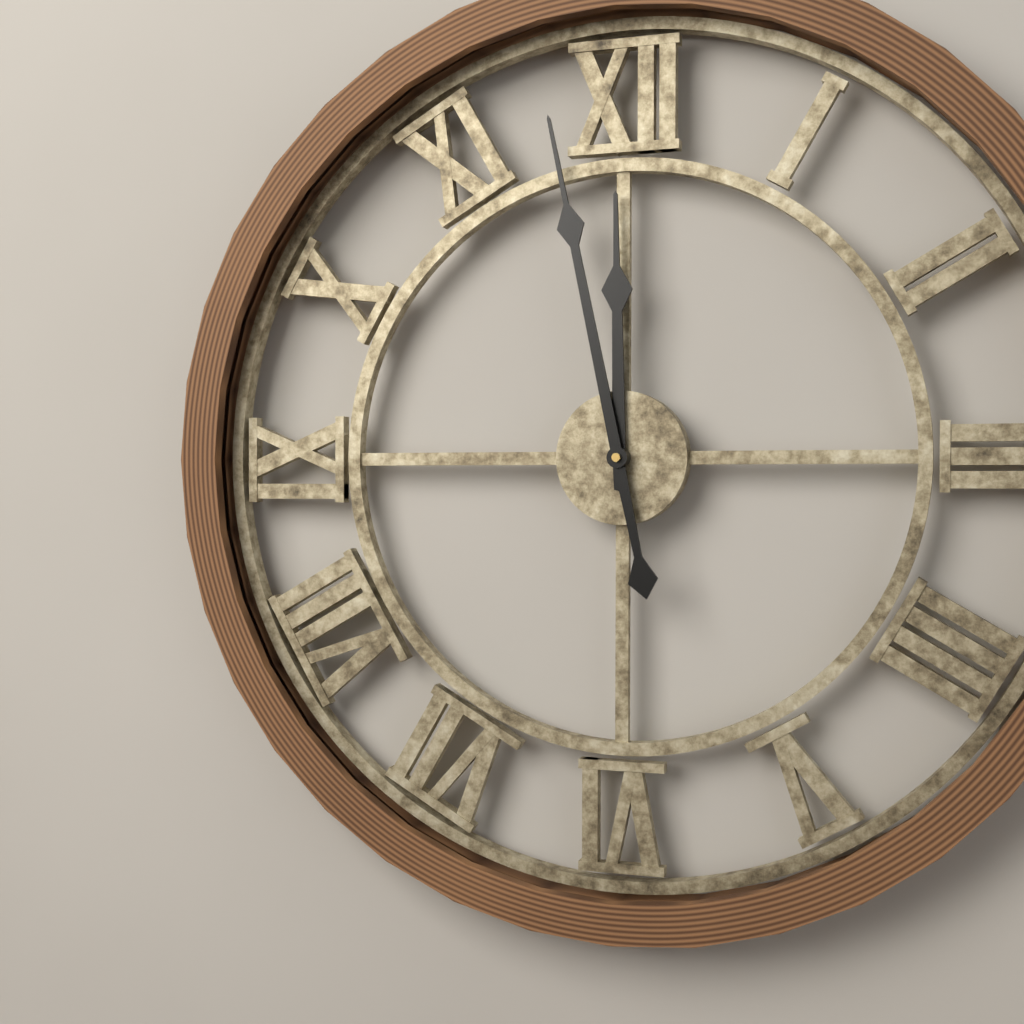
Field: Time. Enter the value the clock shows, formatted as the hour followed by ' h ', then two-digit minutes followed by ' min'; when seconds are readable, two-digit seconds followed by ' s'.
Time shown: 11 h 58 min
